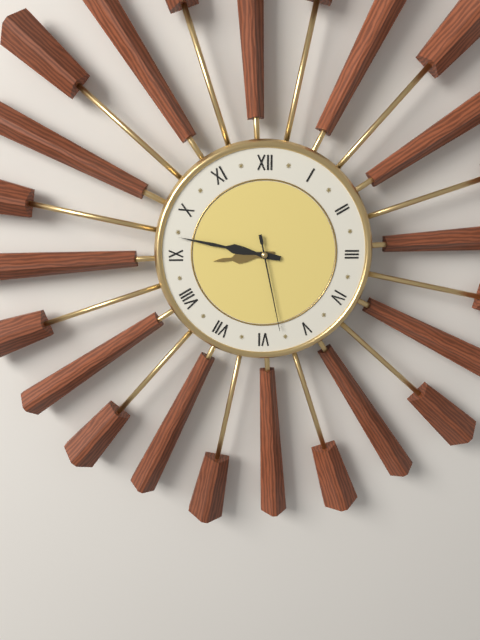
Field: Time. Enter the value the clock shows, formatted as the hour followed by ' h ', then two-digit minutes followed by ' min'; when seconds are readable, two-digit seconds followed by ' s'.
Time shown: 8 h 47 min 28 s
